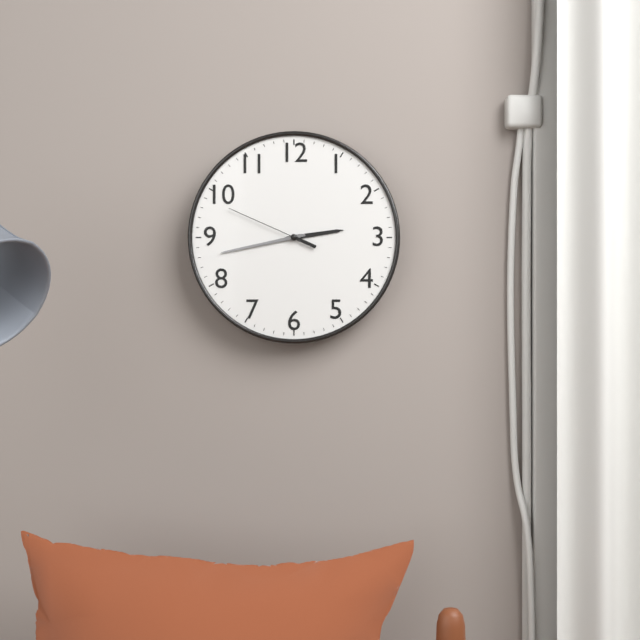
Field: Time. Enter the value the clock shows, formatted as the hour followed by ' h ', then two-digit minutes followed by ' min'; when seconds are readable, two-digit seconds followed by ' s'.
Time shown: 2 h 43 min 49 s
